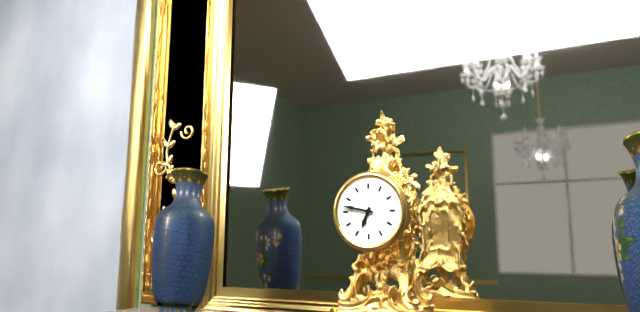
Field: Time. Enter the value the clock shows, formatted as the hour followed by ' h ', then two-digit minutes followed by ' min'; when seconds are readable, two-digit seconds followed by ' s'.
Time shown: 6 h 47 min
